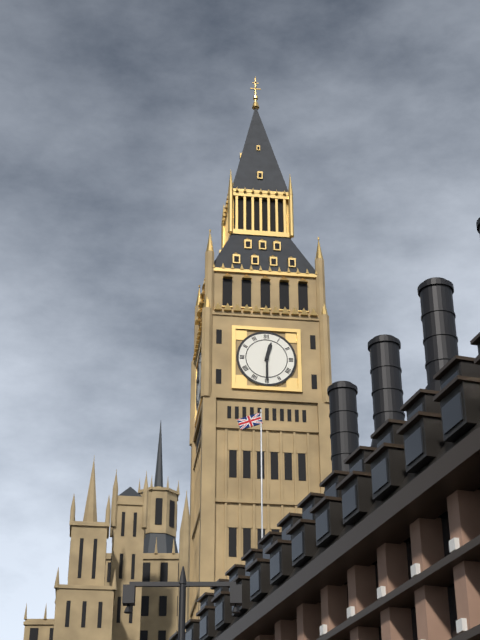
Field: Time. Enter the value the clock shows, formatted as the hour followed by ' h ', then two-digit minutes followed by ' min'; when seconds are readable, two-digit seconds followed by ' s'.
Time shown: 12 h 30 min
